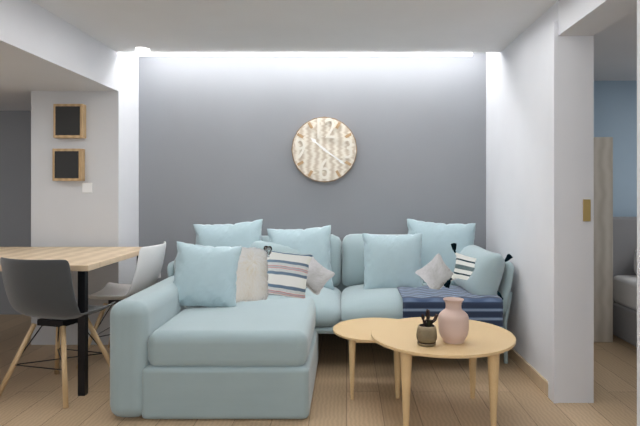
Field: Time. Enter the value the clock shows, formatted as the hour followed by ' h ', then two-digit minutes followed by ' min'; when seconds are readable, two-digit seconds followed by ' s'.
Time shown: 10 h 21 min
